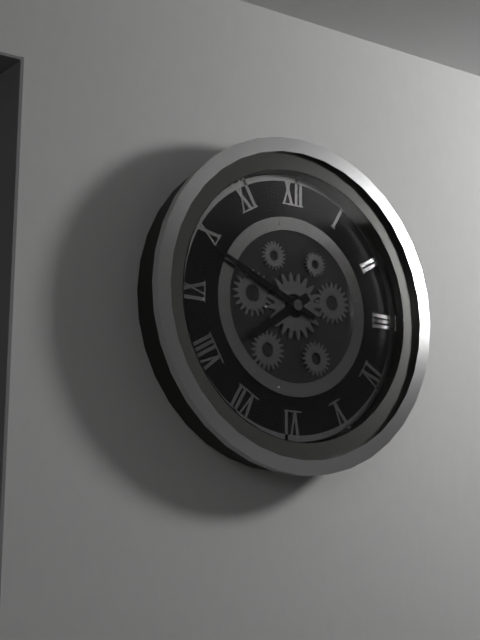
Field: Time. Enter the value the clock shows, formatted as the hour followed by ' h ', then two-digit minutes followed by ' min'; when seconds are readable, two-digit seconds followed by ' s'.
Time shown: 7 h 49 min
